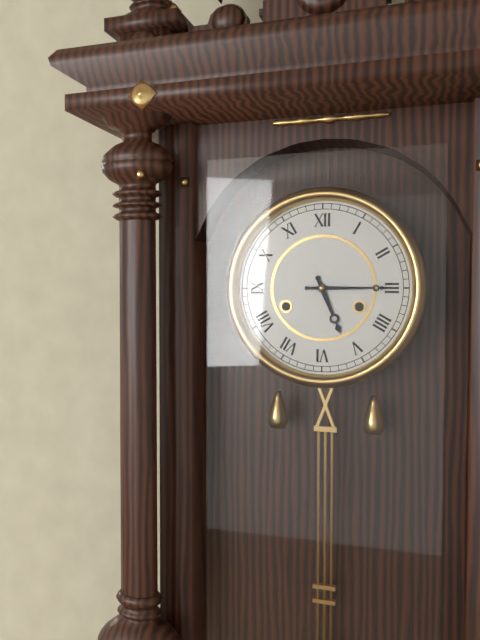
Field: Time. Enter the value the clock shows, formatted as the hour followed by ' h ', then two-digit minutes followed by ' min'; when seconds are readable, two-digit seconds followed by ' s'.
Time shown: 5 h 15 min
